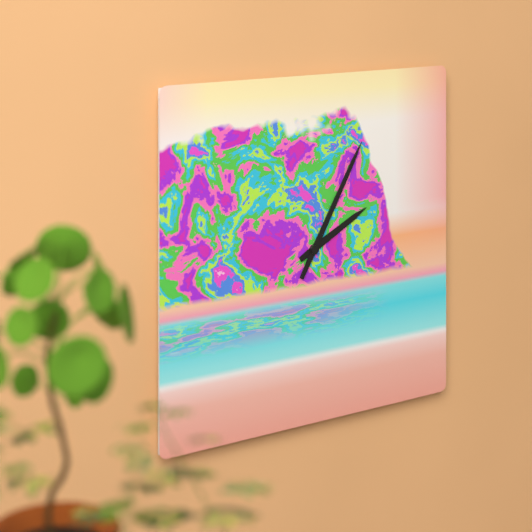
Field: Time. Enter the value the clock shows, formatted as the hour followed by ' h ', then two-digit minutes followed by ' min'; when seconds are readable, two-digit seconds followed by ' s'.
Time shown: 2 h 05 min
